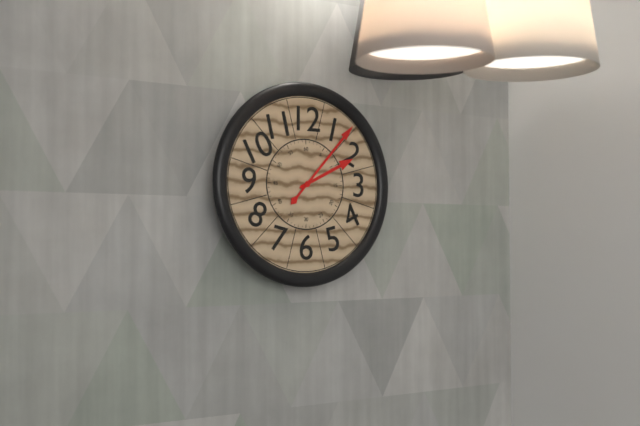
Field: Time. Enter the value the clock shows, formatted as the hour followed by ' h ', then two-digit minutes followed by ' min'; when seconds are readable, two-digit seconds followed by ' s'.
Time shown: 2 h 07 min
